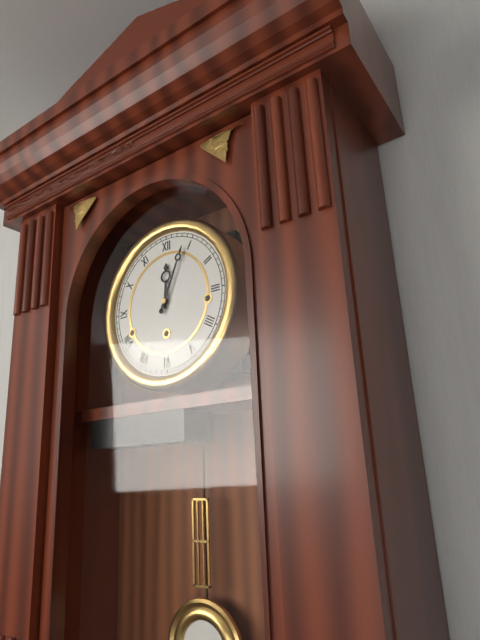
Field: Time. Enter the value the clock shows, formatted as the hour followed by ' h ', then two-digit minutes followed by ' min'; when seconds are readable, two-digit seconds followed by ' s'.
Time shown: 12 h 04 min
